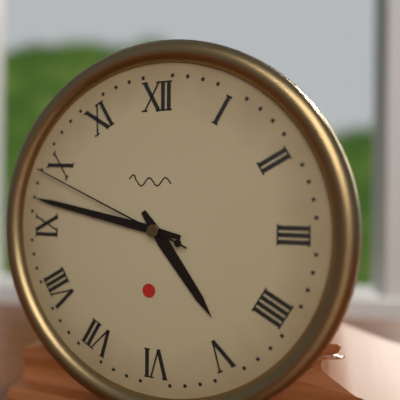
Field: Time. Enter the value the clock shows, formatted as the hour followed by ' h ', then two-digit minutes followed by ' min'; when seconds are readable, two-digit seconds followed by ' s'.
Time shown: 4 h 47 min 49 s
